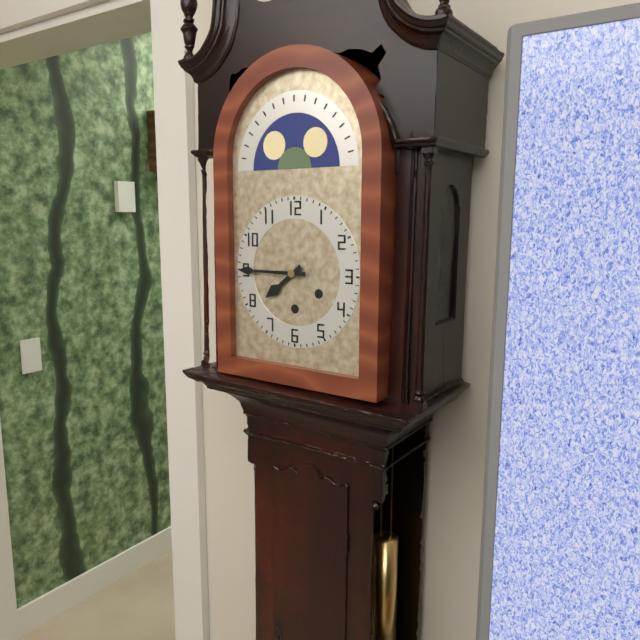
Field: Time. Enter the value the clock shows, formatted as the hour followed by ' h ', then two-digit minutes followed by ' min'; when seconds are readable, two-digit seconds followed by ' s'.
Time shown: 7 h 45 min
